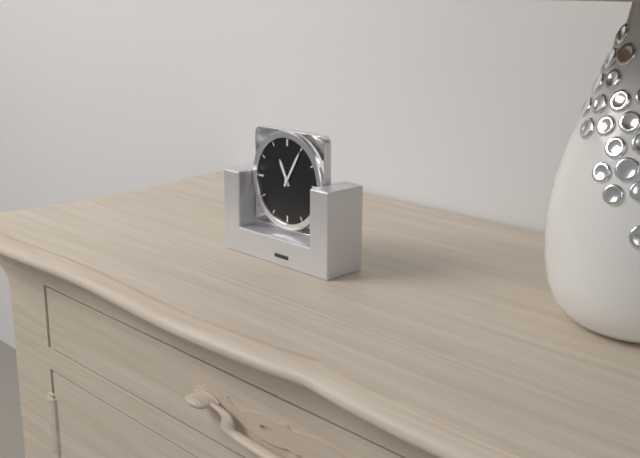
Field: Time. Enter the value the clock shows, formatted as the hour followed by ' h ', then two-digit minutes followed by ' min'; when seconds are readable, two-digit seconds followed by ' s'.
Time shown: 11 h 05 min
